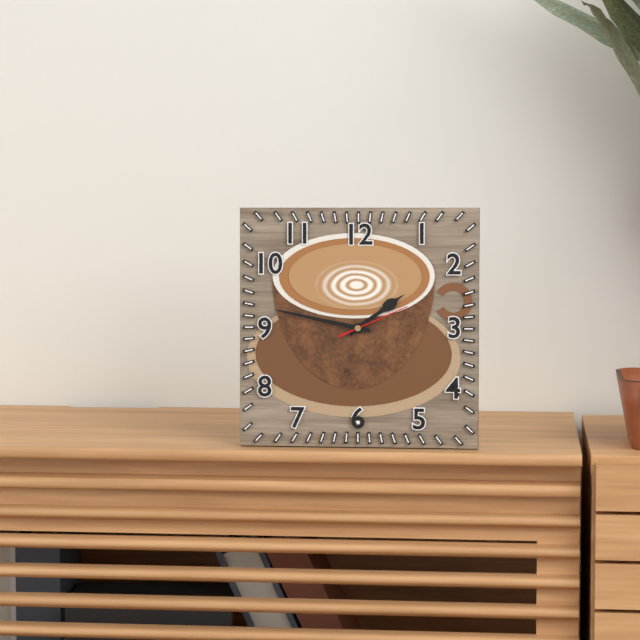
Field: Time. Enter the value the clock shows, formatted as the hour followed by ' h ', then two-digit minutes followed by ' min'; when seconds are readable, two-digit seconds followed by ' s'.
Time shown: 1 h 47 min 11 s
